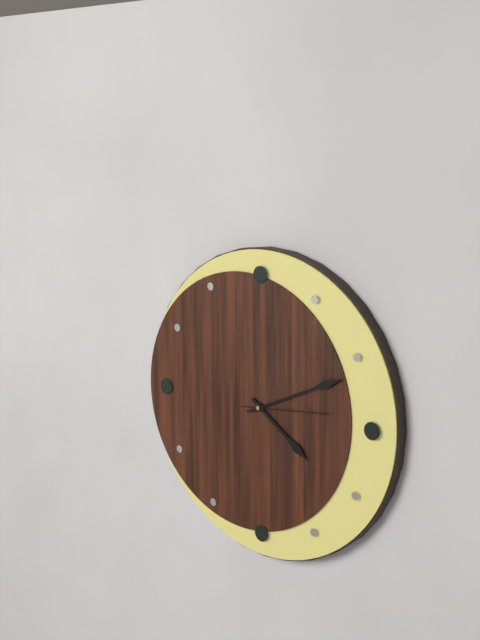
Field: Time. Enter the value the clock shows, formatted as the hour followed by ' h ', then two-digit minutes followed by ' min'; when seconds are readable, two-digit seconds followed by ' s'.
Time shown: 4 h 11 min 14 s
